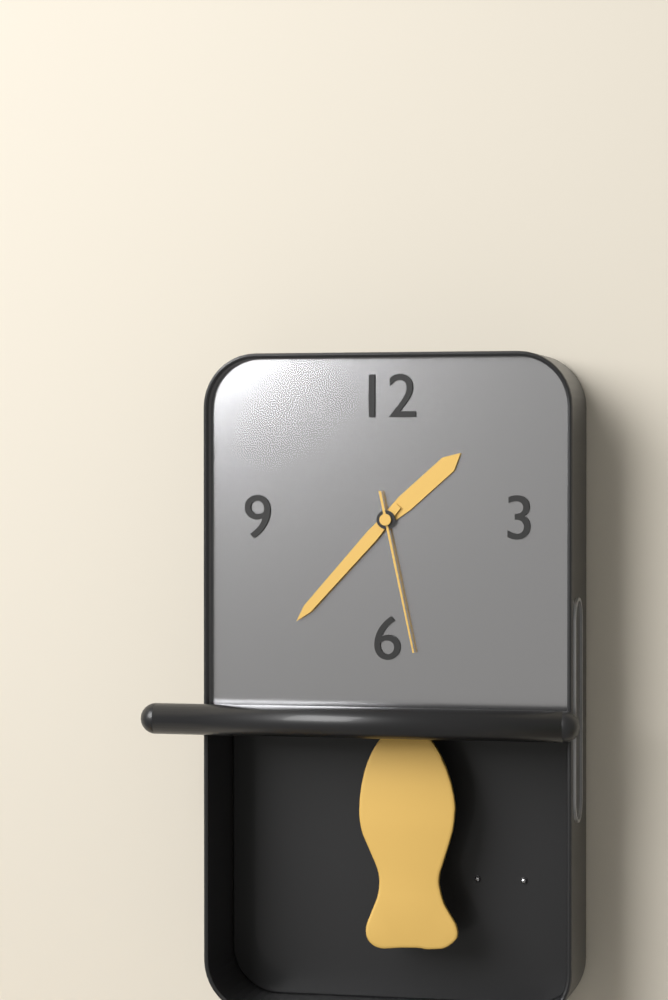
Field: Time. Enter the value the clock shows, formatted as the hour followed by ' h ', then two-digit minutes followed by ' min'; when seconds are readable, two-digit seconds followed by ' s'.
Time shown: 1 h 37 min 28 s
